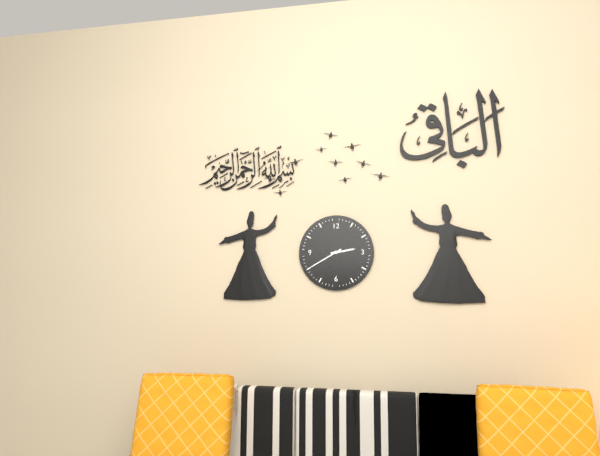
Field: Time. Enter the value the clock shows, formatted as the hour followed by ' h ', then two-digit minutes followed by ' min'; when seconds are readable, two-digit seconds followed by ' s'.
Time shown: 2 h 40 min
